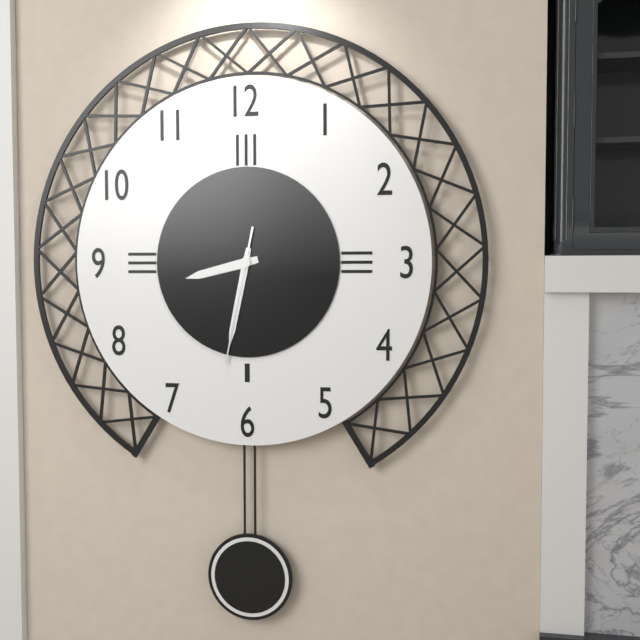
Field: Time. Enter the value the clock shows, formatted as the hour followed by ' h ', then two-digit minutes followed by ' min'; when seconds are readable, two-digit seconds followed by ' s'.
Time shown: 8 h 32 min 32 s
